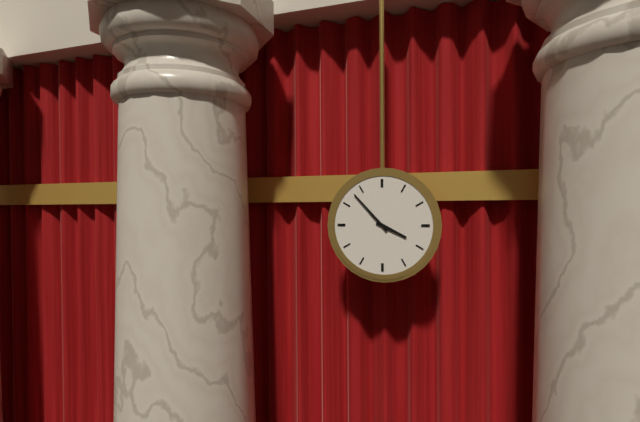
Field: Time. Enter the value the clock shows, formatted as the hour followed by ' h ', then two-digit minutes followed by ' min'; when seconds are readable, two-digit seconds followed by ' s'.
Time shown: 3 h 53 min
